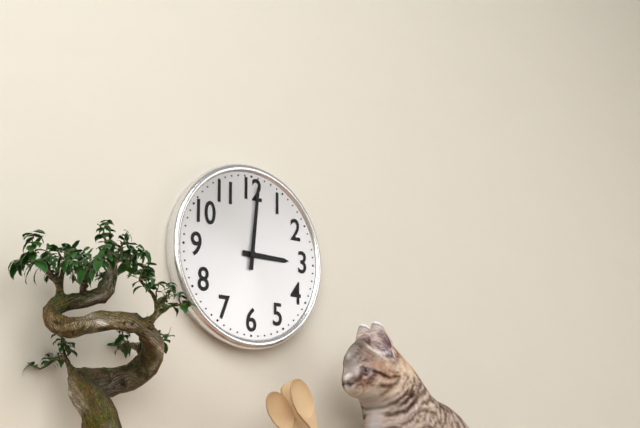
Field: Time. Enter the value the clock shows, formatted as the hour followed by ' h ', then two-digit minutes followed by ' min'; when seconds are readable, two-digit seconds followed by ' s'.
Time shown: 3 h 01 min
